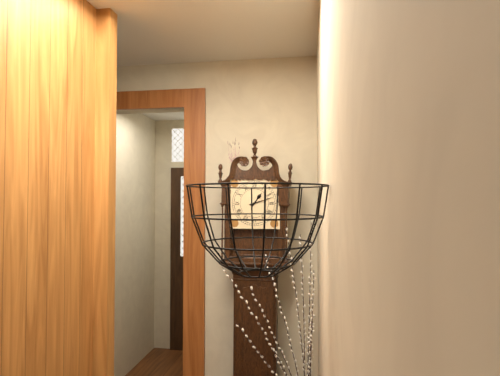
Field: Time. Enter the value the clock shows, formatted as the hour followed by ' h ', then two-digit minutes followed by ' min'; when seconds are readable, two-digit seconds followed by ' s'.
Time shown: 1 h 12 min
